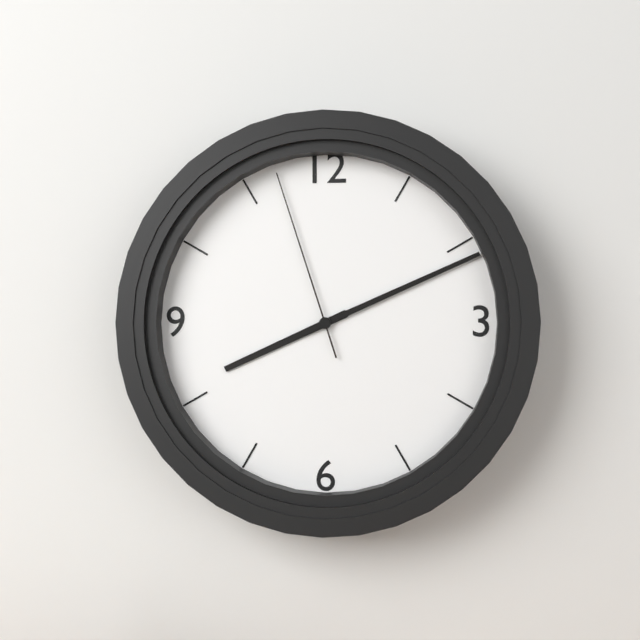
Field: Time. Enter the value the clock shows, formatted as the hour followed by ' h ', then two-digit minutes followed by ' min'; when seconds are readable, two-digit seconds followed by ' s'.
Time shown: 8 h 11 min 57 s
